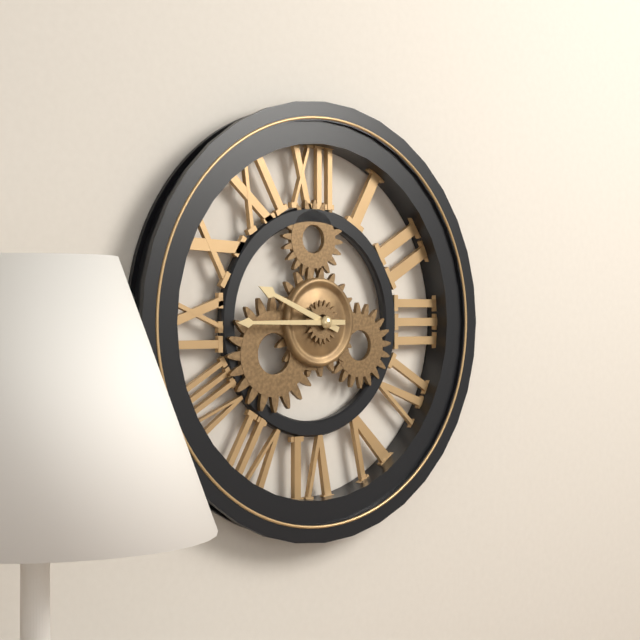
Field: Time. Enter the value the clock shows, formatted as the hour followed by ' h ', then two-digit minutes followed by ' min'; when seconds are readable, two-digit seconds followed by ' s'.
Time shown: 9 h 45 min
